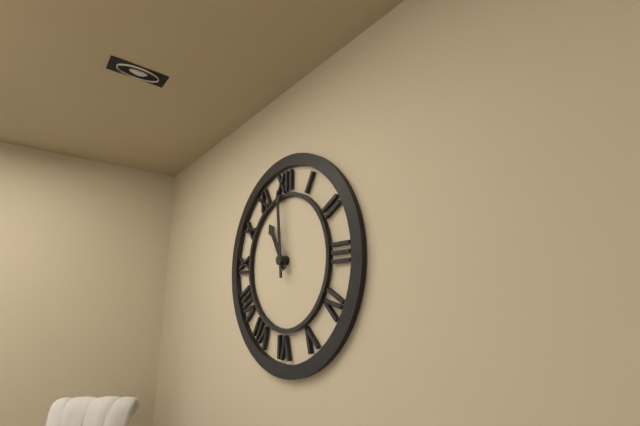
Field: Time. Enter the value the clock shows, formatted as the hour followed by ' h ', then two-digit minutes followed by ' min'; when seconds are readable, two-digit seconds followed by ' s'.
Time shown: 10 h 59 min
